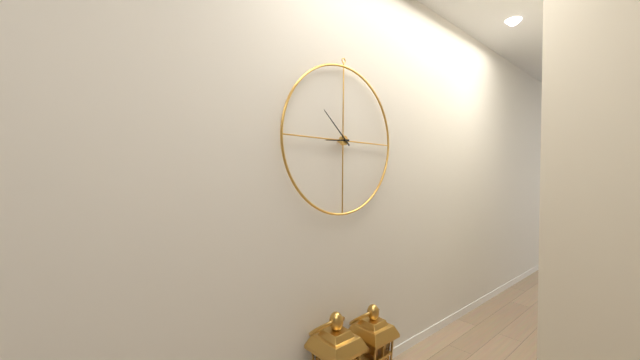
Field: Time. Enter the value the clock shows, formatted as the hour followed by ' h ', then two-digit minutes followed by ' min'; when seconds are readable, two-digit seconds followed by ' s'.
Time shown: 8 h 52 min
